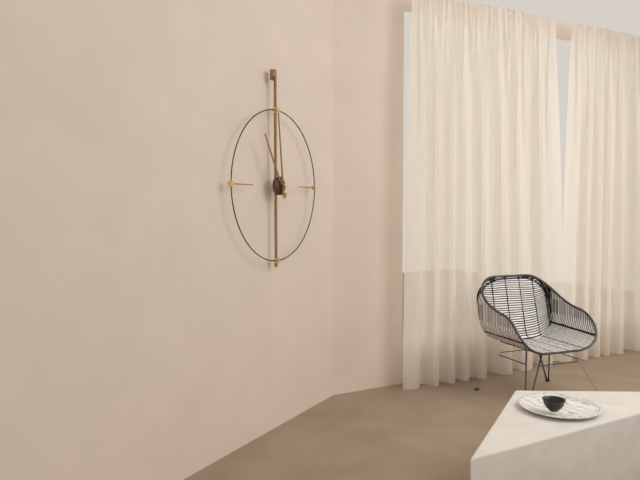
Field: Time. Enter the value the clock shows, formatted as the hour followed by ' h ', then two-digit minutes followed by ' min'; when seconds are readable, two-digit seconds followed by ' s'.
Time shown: 10 h 59 min
